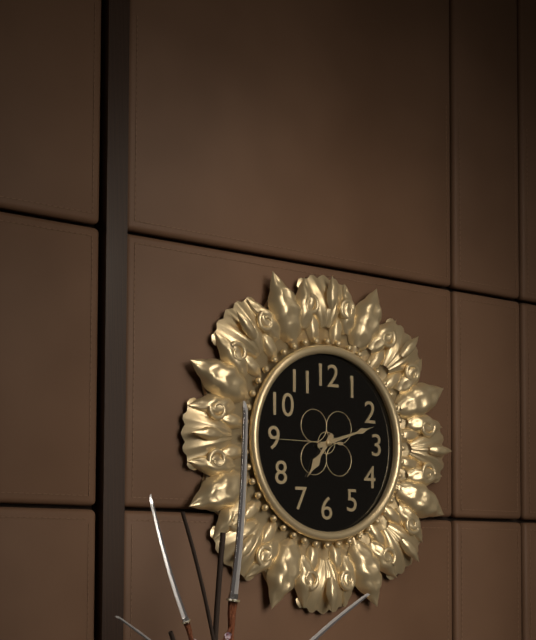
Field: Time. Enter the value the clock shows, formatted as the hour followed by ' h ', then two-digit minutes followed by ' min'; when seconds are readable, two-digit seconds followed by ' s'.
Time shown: 7 h 12 min 45 s
